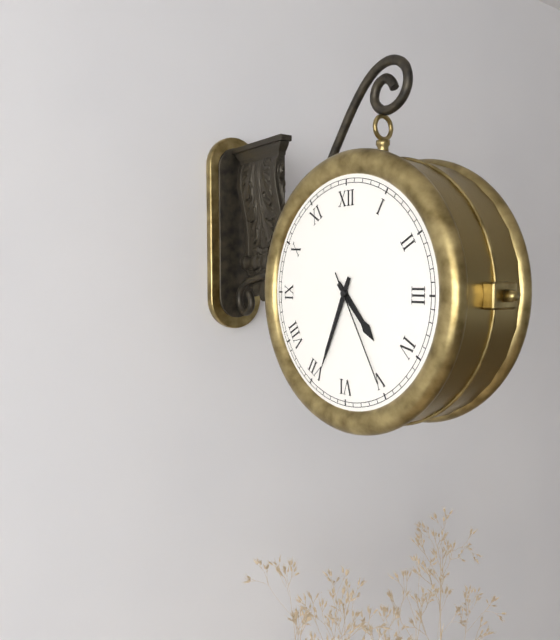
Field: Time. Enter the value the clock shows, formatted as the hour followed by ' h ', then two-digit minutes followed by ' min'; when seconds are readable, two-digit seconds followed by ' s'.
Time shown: 4 h 34 min 25 s
